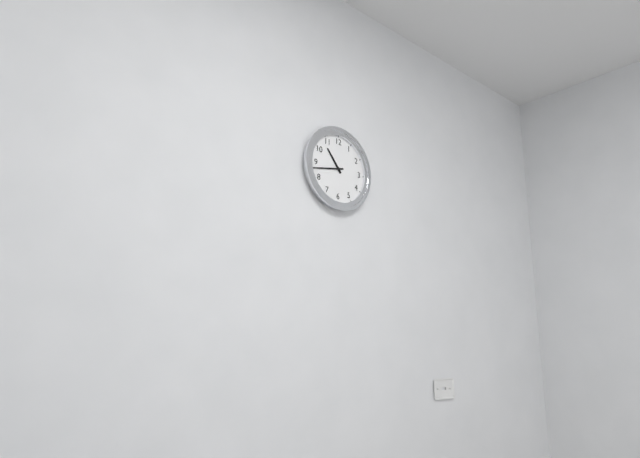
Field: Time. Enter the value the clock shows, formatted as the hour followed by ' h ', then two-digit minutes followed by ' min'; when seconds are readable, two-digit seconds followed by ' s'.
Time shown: 10 h 43 min
